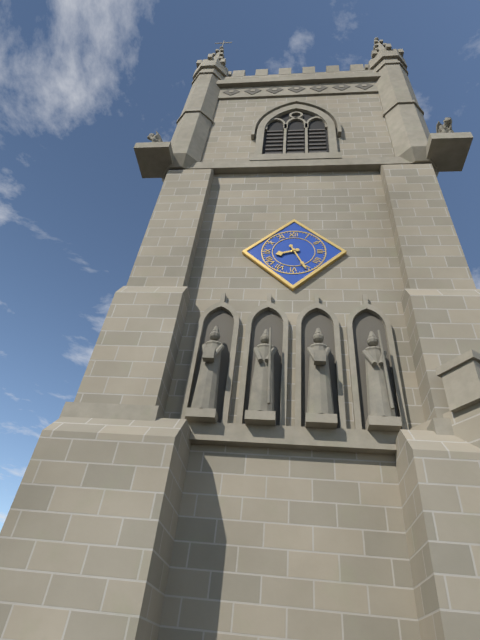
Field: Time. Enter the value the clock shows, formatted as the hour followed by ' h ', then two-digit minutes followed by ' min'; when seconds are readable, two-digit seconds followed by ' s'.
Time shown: 8 h 26 min
